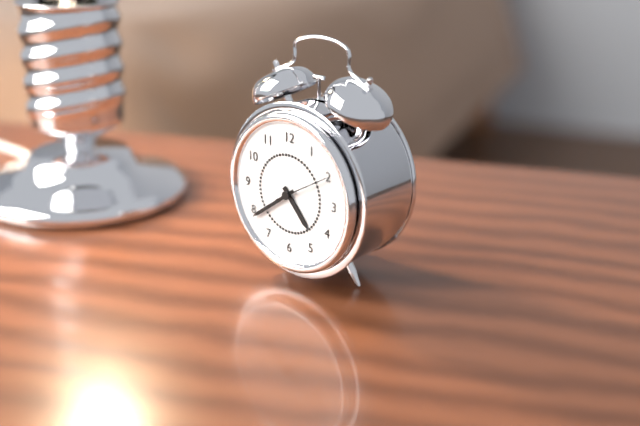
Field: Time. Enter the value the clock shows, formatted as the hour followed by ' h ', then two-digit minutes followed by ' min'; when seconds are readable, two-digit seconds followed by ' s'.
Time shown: 4 h 39 min 10 s
